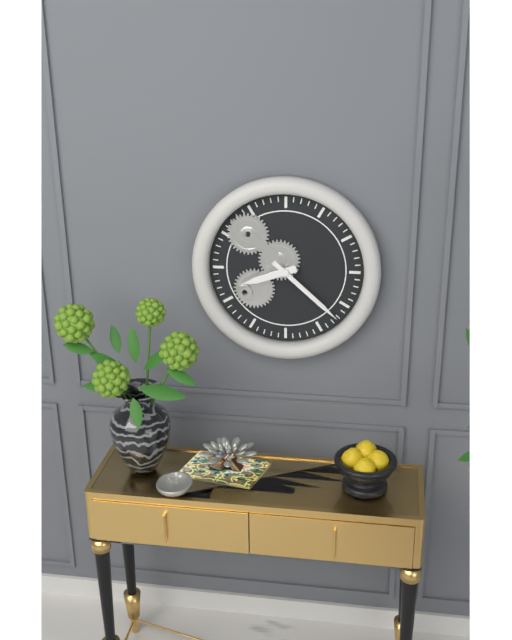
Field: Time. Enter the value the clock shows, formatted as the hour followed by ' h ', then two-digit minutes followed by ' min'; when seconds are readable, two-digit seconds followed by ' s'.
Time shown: 8 h 22 min
